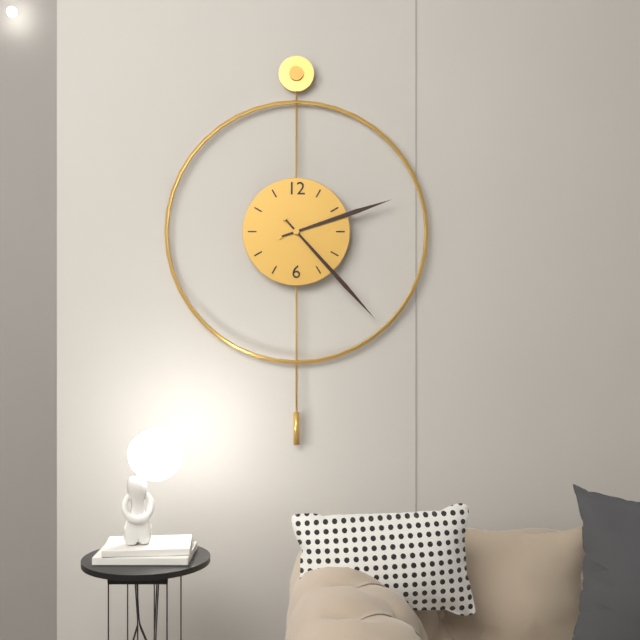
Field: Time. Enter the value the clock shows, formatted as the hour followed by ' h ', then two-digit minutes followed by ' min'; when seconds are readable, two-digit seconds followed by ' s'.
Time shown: 2 h 23 min
